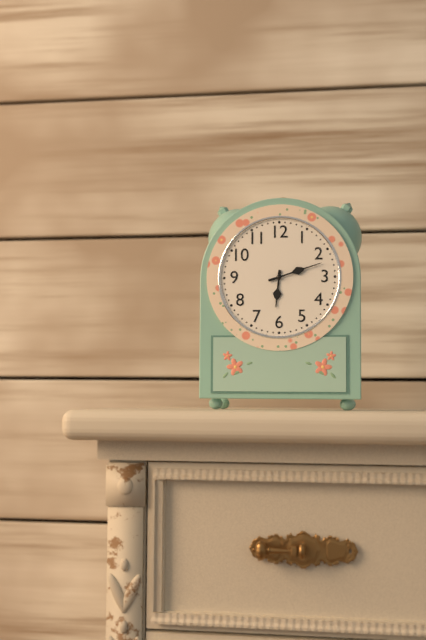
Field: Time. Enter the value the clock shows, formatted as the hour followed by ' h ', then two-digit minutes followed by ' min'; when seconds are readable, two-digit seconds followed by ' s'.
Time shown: 6 h 12 min
